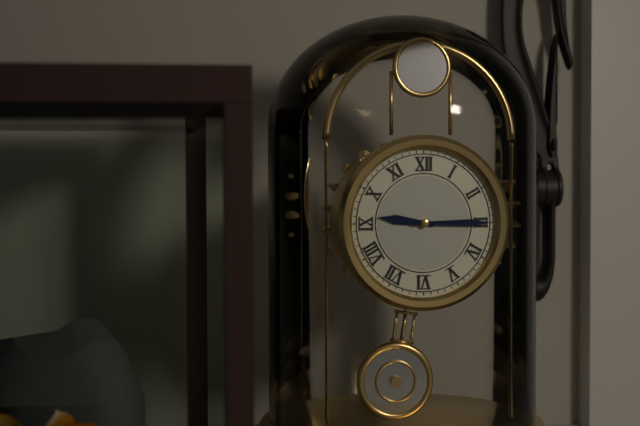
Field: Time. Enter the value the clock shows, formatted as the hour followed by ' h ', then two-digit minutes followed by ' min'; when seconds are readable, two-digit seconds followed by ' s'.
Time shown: 9 h 15 min
